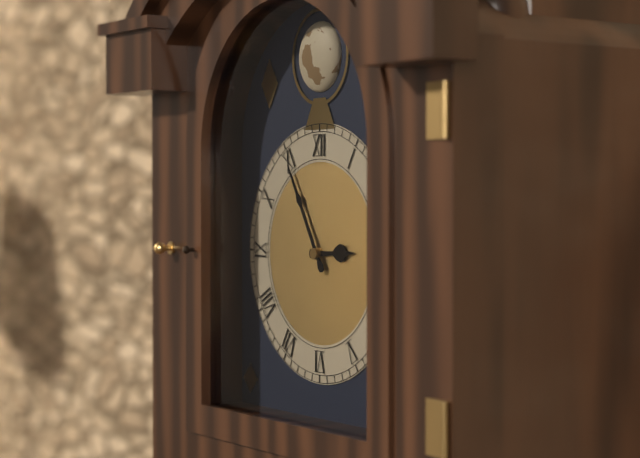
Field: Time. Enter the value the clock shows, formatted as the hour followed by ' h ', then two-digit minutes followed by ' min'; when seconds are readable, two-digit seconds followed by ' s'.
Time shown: 2 h 55 min
